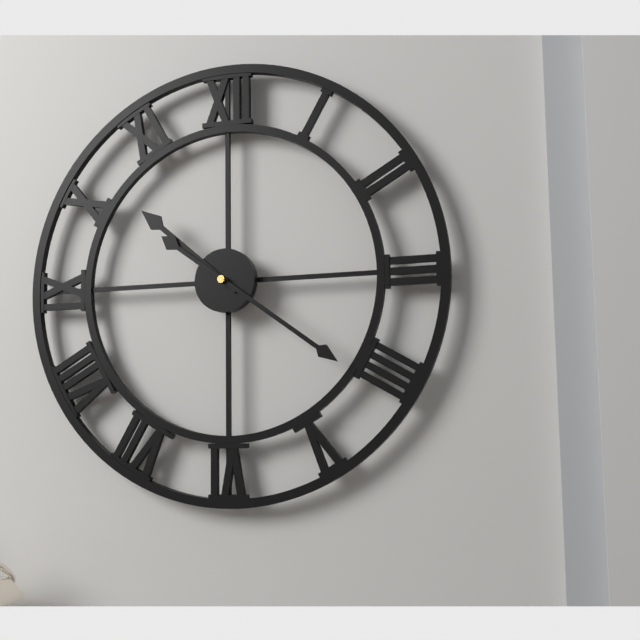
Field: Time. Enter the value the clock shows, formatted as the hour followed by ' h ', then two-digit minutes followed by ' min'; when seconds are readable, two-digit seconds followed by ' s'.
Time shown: 10 h 21 min
